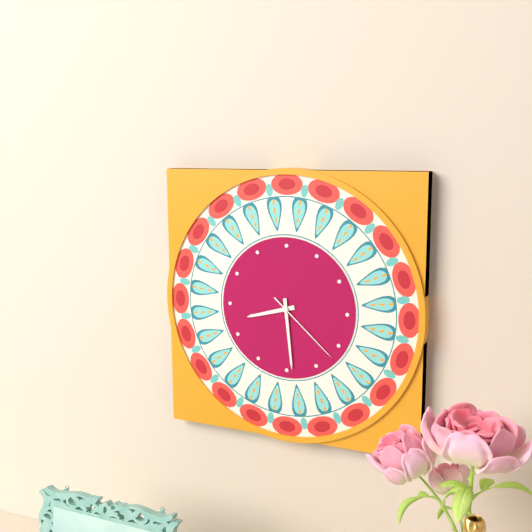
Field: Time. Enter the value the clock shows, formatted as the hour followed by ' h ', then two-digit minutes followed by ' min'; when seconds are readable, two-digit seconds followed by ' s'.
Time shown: 8 h 29 min 22 s
